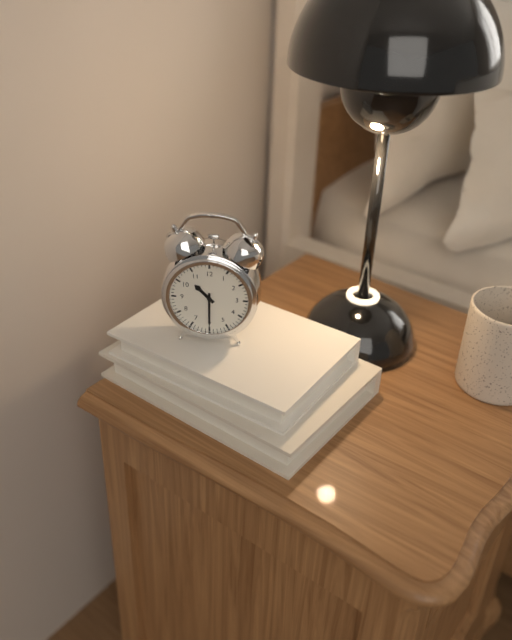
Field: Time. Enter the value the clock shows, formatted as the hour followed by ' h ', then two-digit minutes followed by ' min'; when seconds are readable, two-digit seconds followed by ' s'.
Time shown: 10 h 30 min
